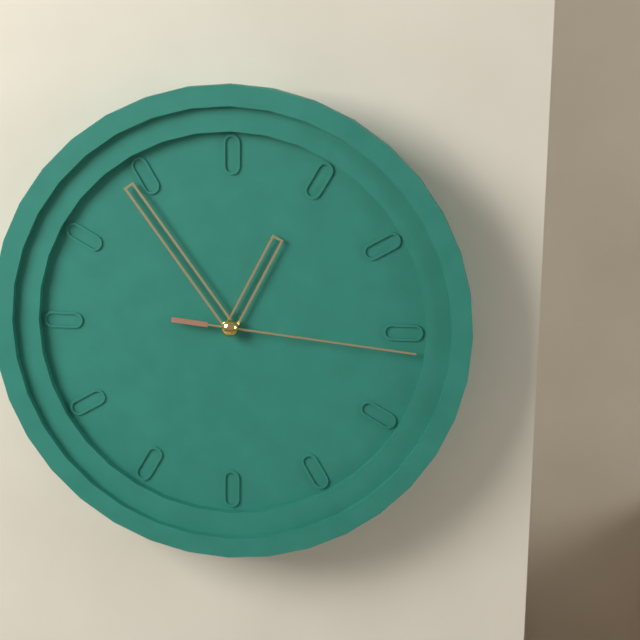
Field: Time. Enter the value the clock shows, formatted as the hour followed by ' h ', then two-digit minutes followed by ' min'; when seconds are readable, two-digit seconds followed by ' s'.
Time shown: 12 h 54 min 16 s
